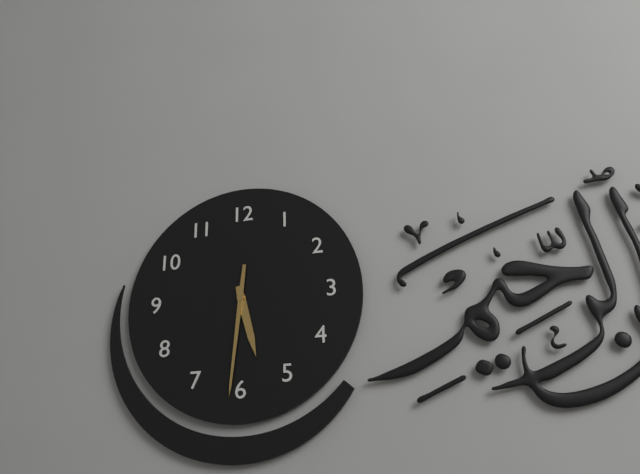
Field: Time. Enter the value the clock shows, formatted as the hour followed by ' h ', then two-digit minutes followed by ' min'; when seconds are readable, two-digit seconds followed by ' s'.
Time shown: 5 h 31 min
